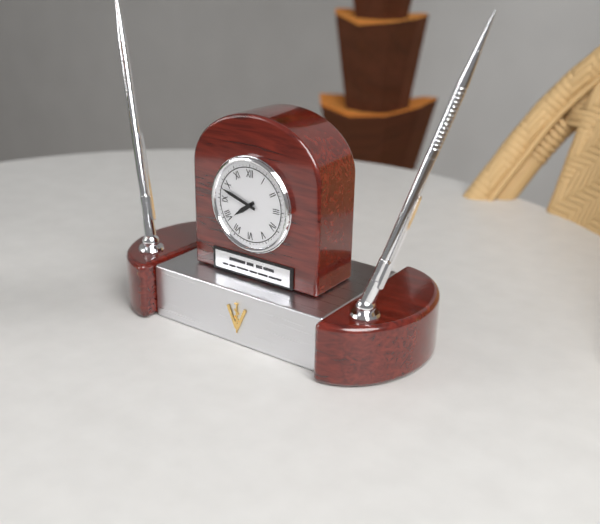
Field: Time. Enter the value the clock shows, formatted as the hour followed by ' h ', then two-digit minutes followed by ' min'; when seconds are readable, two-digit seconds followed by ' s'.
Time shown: 7 h 48 min
